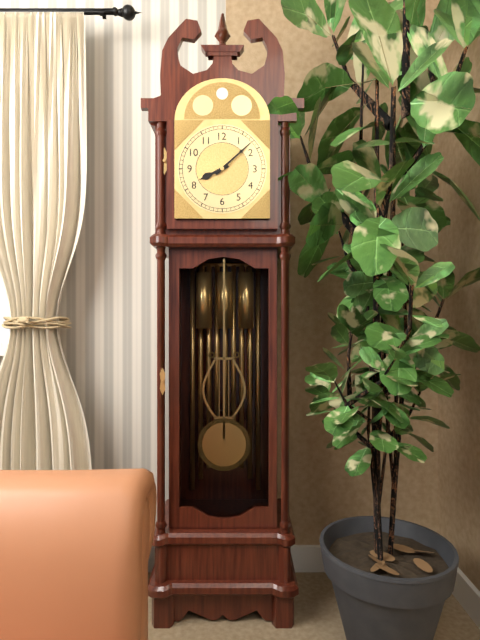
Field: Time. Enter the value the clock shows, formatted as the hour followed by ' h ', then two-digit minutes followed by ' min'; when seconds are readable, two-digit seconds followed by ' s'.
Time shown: 8 h 08 min
